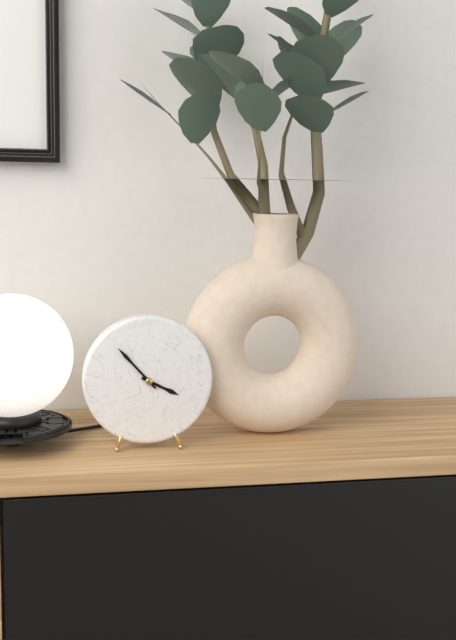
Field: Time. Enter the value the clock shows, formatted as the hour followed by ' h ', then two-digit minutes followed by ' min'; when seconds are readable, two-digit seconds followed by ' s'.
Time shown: 3 h 53 min
